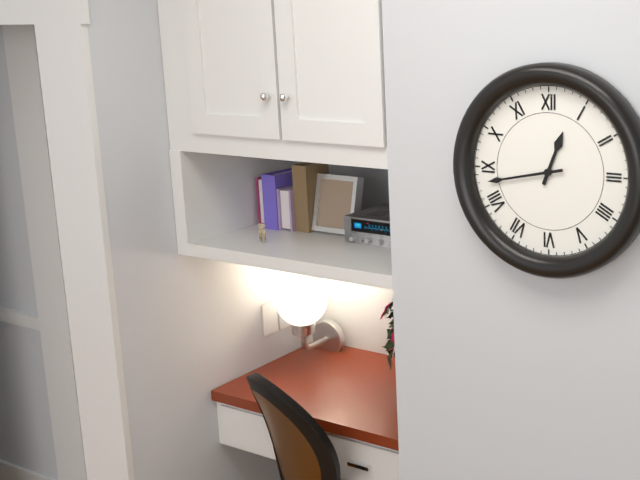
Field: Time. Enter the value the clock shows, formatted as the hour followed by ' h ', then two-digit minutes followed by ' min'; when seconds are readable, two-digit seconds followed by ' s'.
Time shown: 12 h 43 min
